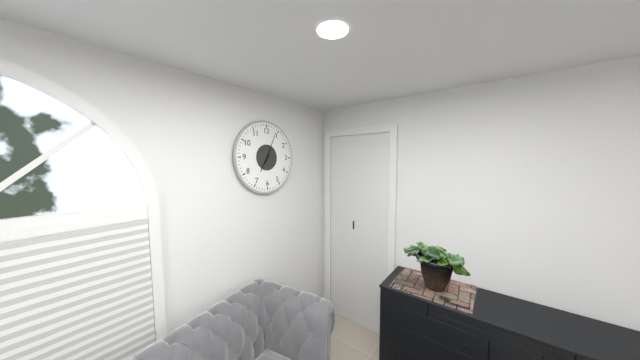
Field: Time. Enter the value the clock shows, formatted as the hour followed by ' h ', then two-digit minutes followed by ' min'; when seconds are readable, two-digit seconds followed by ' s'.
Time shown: 7 h 04 min
